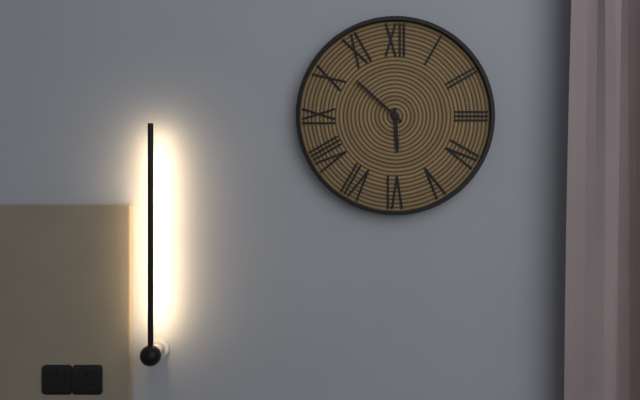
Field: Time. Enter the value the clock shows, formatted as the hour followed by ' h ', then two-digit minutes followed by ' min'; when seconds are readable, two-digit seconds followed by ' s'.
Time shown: 5 h 52 min
